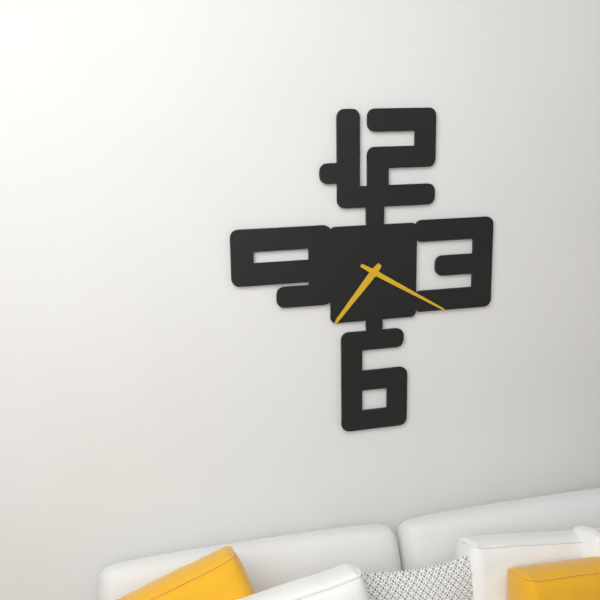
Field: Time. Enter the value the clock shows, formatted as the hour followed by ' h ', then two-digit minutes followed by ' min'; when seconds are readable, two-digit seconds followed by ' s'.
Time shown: 7 h 20 min
